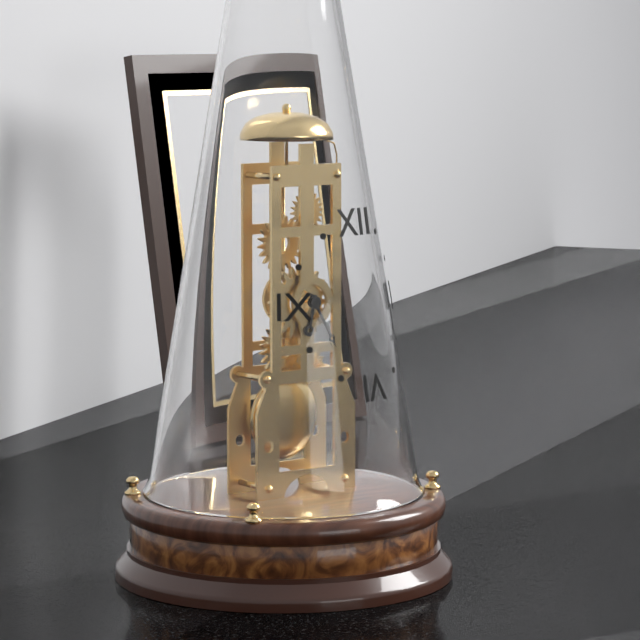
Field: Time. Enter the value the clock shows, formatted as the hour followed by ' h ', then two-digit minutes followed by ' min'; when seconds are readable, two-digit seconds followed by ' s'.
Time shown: 6 h 25 min
